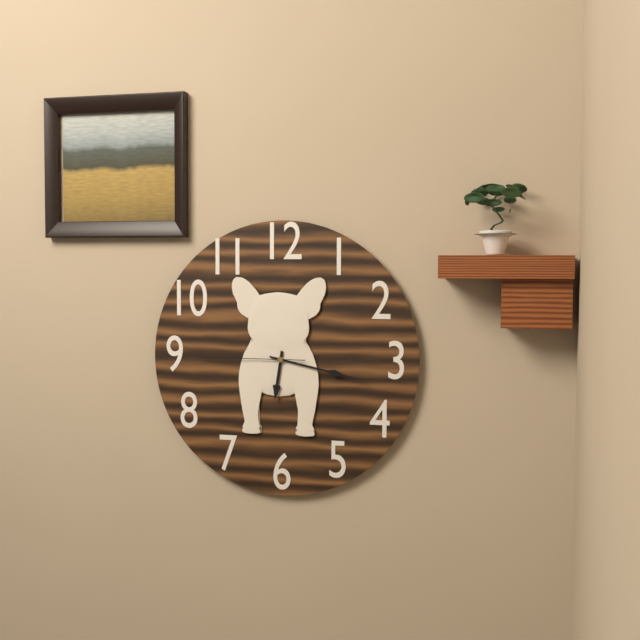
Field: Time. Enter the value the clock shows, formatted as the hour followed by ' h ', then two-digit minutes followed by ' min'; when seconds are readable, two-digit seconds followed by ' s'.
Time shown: 6 h 17 min 45 s
